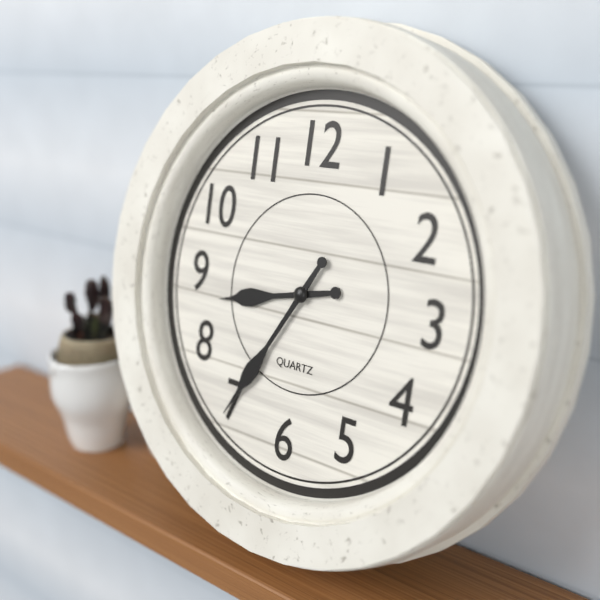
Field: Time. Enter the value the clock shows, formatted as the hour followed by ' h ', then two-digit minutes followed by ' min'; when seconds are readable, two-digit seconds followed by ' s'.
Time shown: 8 h 35 min
